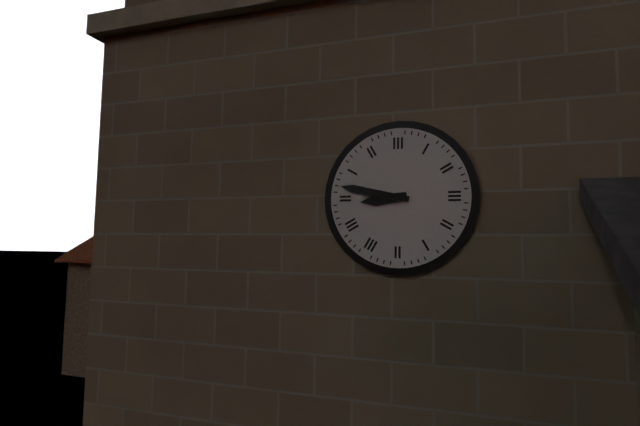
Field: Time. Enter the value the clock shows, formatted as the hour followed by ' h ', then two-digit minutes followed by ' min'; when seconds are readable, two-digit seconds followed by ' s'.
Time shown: 8 h 47 min
